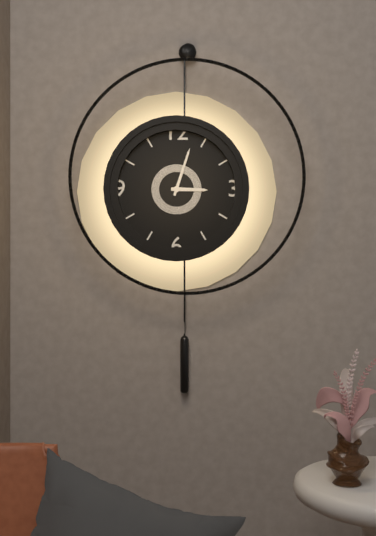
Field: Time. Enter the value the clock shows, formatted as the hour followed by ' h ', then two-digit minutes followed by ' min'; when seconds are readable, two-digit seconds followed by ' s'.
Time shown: 3 h 03 min
